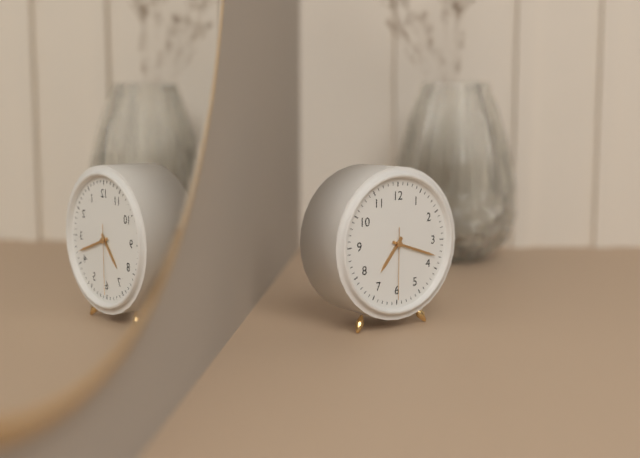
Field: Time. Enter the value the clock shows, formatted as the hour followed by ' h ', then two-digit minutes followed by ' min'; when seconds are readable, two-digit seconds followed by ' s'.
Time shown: 7 h 18 min 30 s
